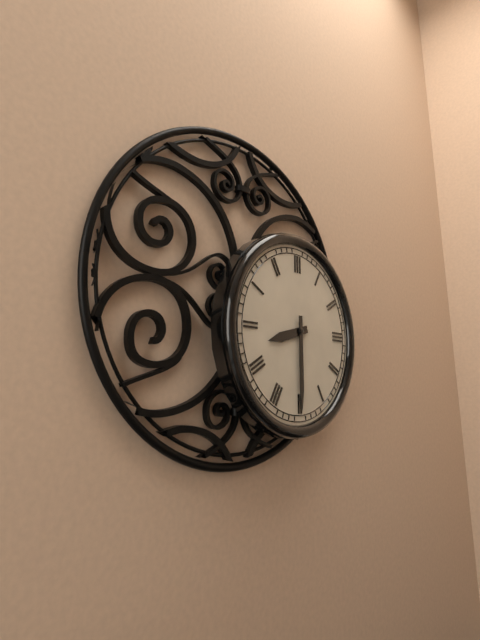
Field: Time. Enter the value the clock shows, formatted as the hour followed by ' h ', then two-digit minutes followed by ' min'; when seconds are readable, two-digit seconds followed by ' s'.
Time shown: 8 h 30 min
